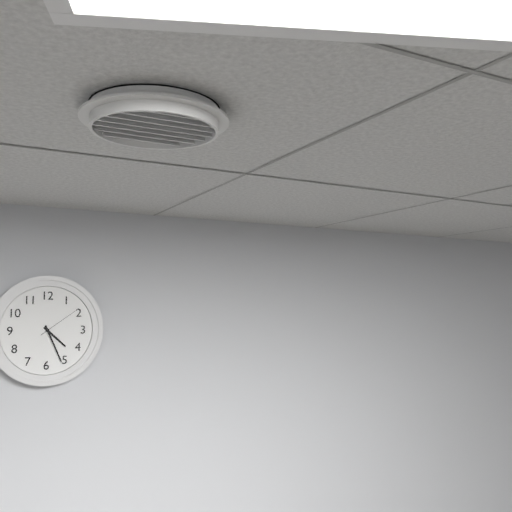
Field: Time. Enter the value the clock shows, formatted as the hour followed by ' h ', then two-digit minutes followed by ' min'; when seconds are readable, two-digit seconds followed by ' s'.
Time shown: 4 h 26 min
